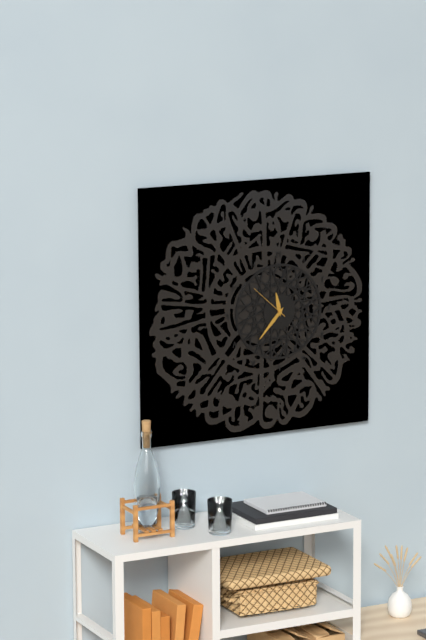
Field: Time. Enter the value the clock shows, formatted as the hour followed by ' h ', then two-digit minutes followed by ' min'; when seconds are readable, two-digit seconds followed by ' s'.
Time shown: 11 h 37 min
